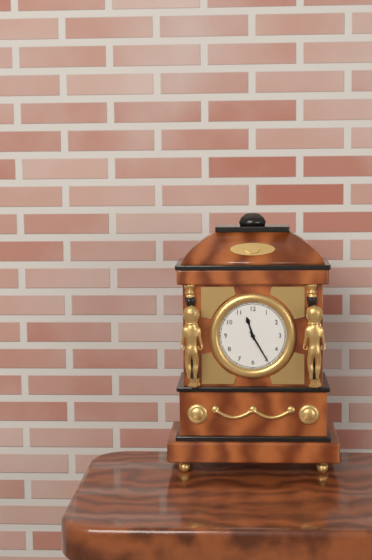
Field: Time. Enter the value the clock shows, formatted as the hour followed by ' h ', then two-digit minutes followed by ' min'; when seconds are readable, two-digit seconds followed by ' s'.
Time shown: 11 h 25 min
